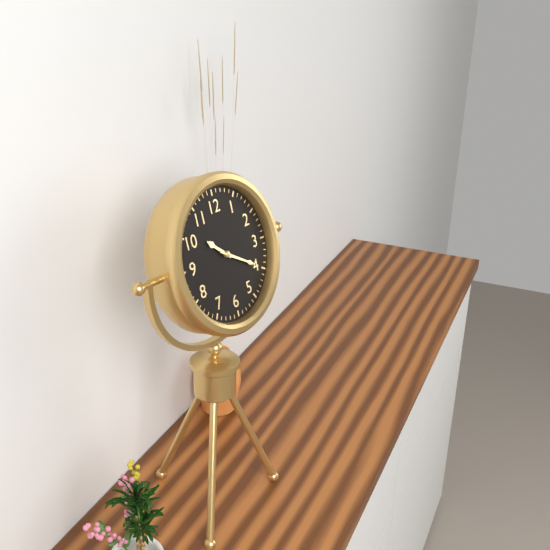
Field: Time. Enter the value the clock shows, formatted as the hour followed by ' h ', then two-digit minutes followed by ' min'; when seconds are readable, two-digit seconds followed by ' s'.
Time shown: 10 h 20 min
